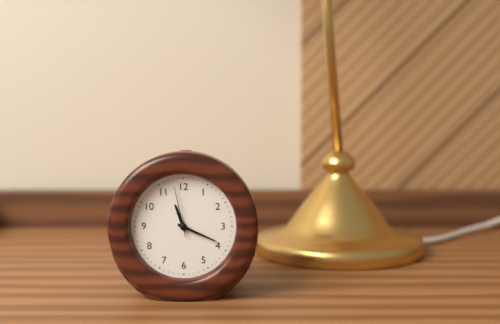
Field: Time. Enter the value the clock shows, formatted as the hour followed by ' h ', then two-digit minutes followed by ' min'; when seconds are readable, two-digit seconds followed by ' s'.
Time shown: 11 h 19 min 58 s
